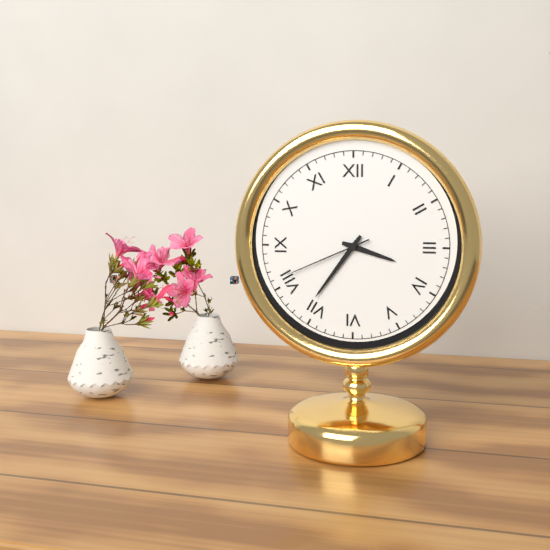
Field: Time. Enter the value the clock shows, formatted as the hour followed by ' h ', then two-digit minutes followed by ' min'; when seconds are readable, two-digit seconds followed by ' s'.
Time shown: 3 h 36 min 41 s
